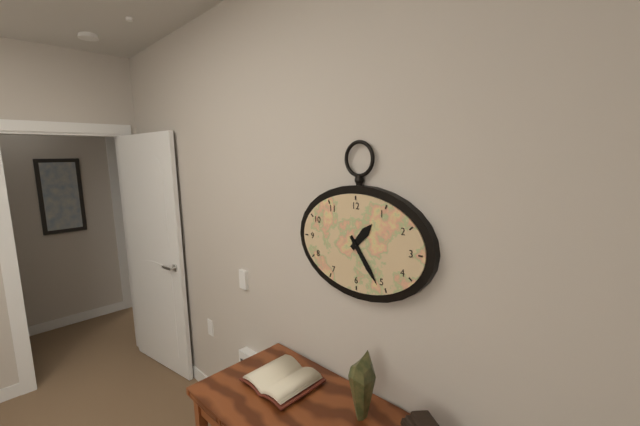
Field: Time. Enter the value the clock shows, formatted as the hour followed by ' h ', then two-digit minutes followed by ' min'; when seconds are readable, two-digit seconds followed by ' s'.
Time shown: 1 h 24 min
